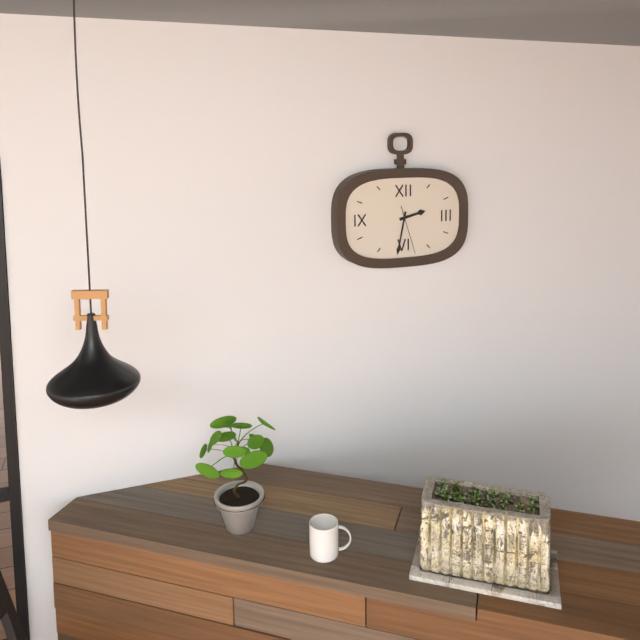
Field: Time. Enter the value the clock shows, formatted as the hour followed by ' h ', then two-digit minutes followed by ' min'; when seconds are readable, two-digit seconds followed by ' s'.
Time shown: 2 h 32 min 27 s
